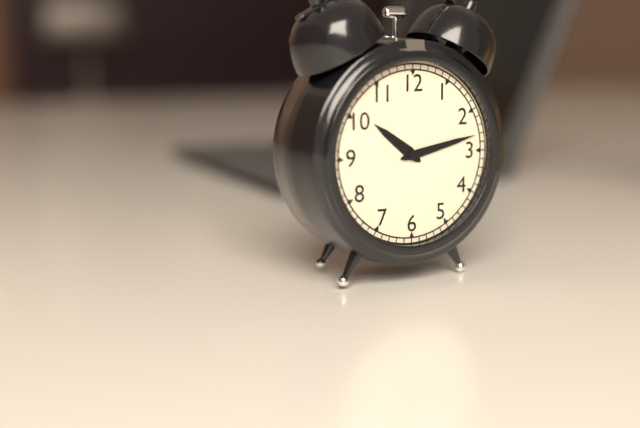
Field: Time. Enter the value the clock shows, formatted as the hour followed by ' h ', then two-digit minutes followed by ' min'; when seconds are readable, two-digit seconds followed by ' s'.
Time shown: 10 h 13 min
